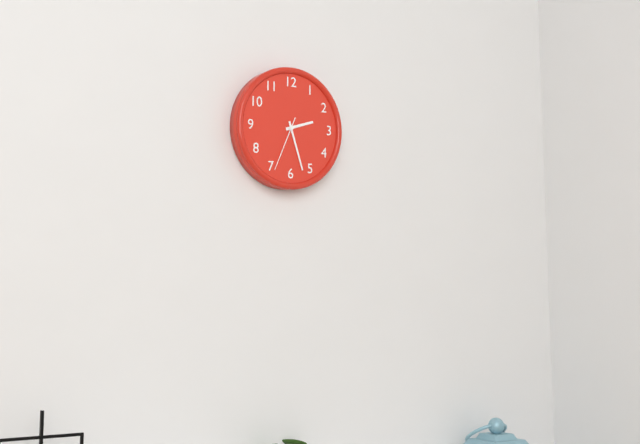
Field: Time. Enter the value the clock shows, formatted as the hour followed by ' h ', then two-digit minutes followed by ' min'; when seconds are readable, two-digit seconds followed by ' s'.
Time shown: 2 h 27 min 34 s
